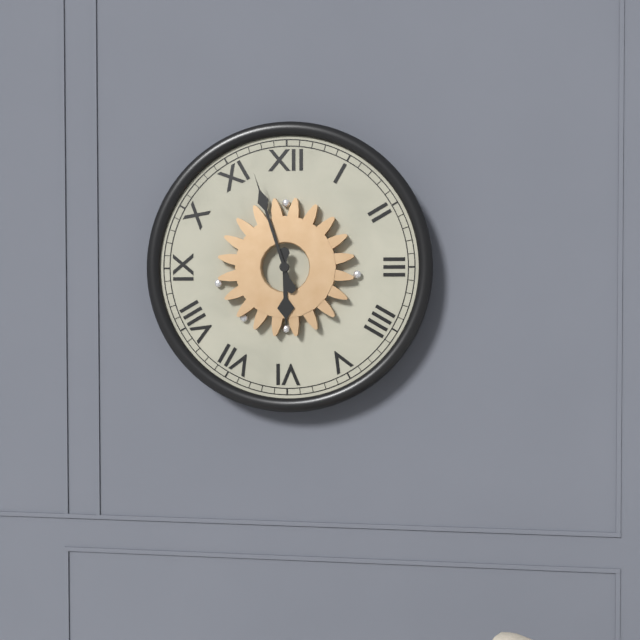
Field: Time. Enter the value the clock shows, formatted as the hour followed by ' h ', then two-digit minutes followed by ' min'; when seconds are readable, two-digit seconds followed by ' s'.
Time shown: 5 h 57 min
